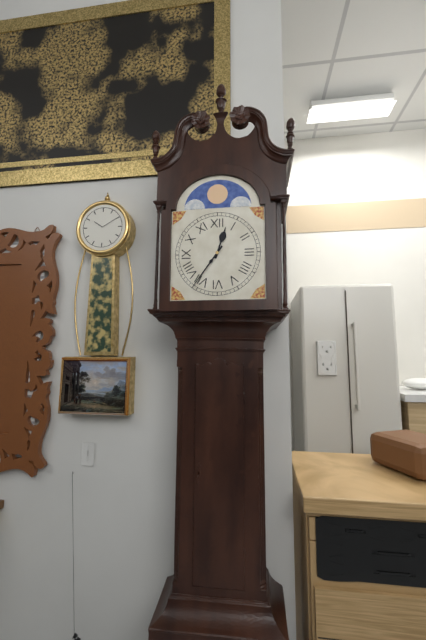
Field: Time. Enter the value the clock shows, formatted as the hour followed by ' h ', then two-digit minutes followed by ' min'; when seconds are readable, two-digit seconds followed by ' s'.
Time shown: 12 h 36 min
